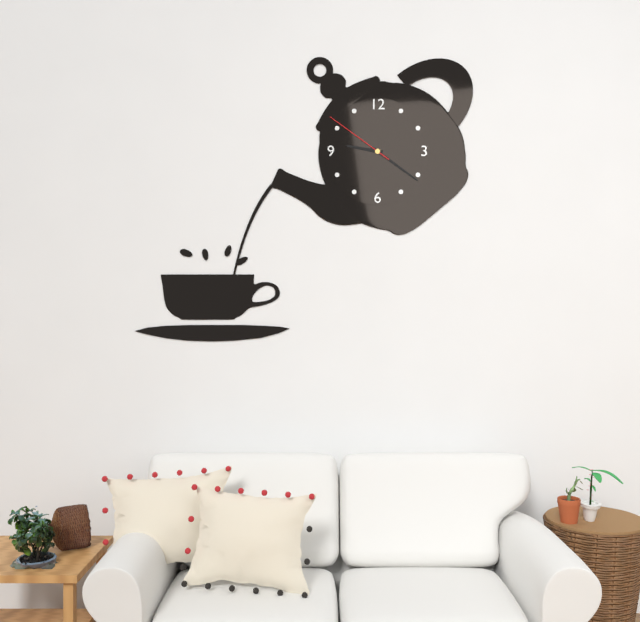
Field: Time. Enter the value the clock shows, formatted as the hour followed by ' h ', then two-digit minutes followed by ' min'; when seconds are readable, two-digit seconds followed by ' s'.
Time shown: 9 h 21 min 51 s
